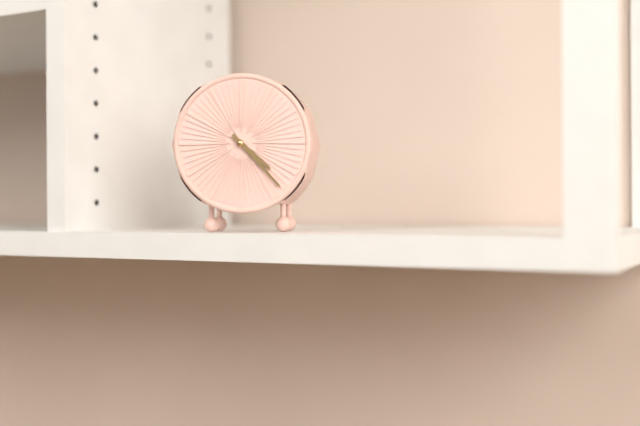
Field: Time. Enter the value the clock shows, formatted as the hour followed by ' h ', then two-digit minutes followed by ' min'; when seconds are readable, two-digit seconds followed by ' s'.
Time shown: 4 h 23 min
